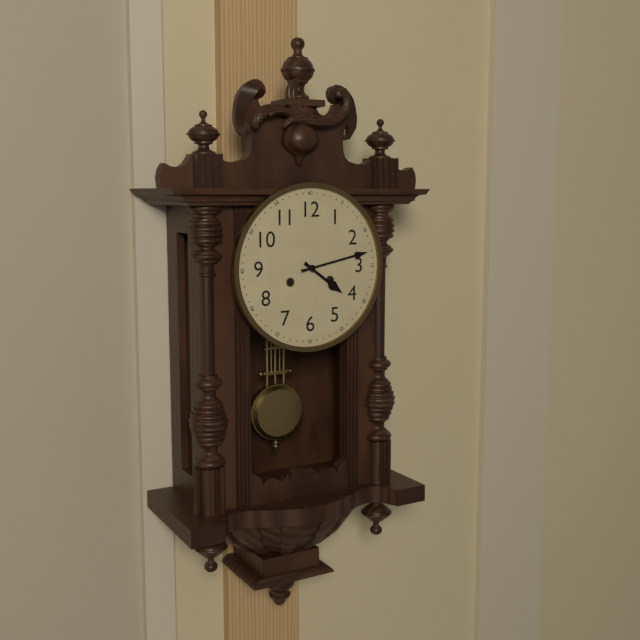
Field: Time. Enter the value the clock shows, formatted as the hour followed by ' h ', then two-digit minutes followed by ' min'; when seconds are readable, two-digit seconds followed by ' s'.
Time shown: 4 h 13 min
